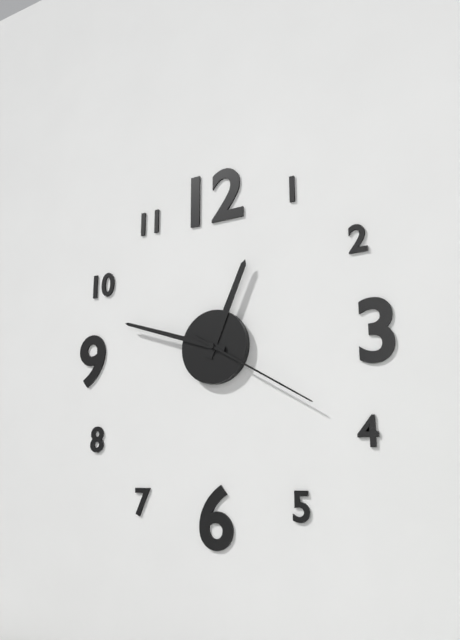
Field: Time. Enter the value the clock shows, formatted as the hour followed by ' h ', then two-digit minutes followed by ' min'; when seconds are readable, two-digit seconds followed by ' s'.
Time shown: 12 h 48 min 20 s
